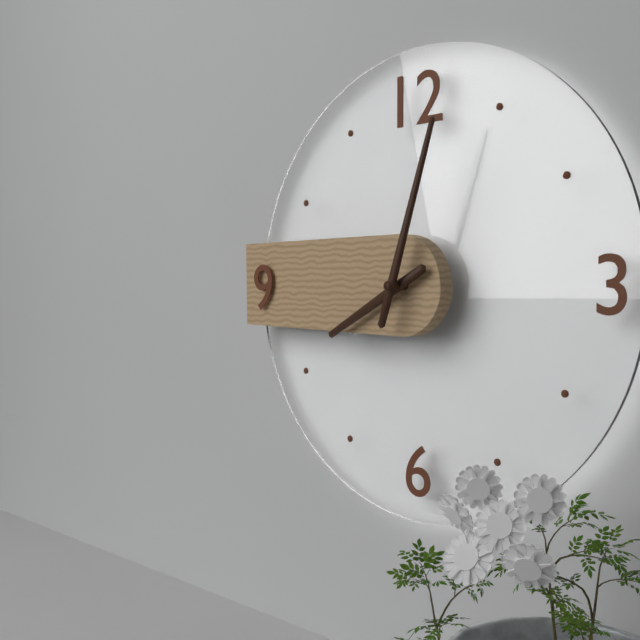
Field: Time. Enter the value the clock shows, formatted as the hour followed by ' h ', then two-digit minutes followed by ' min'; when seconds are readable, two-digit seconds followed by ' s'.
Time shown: 8 h 03 min
